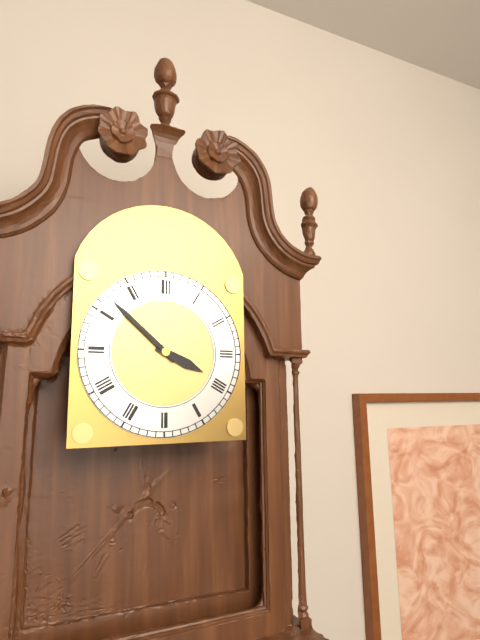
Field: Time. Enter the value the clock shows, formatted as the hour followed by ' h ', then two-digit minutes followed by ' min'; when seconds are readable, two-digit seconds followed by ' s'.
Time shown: 3 h 52 min
